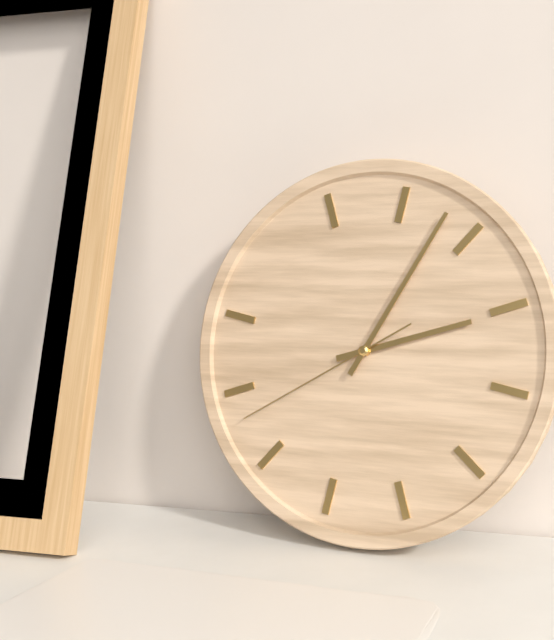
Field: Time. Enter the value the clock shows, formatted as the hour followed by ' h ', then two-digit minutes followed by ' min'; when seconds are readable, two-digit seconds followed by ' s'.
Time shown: 2 h 03 min 38 s
